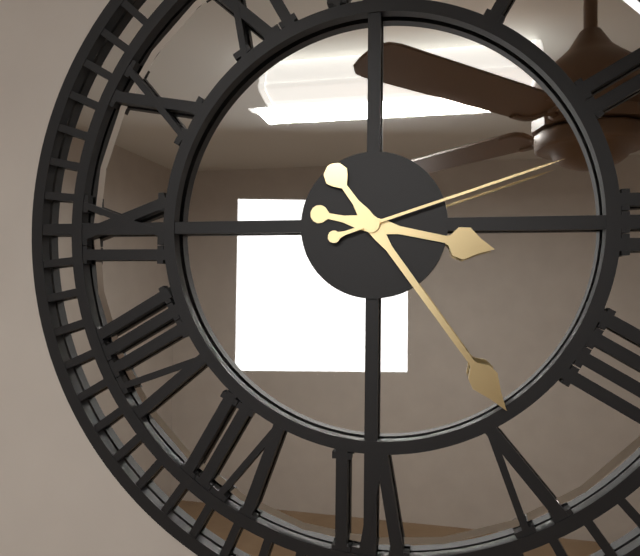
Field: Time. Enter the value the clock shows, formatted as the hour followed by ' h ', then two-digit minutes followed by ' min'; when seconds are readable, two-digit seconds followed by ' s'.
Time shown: 3 h 24 min 12 s
